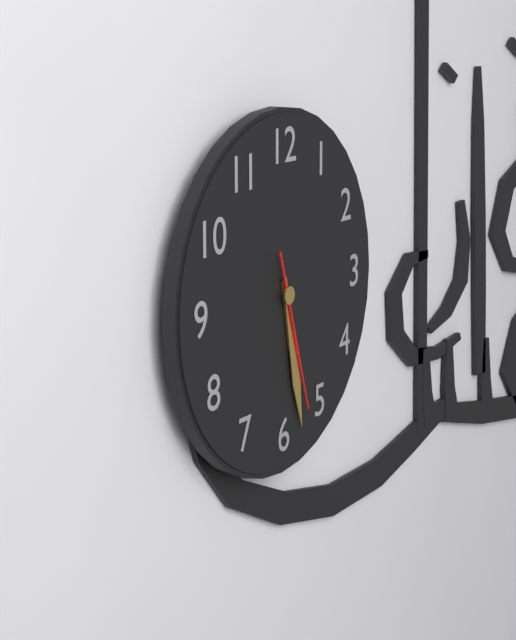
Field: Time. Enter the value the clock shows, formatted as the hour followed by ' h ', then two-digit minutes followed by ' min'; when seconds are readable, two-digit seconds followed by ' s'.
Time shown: 5 h 28 min 27 s
